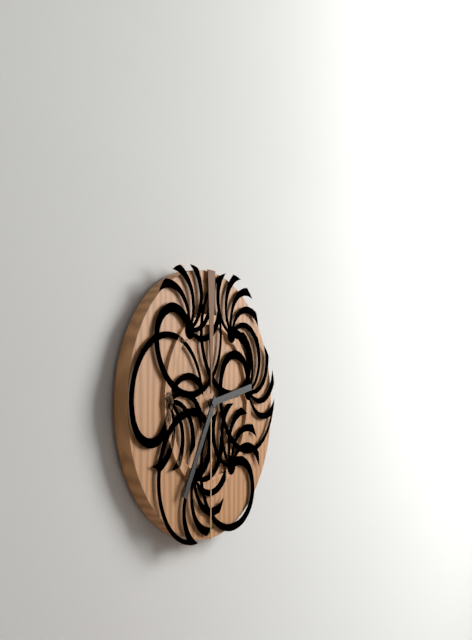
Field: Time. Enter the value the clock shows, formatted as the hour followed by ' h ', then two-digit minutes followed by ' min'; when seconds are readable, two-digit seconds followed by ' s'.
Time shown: 2 h 35 min
